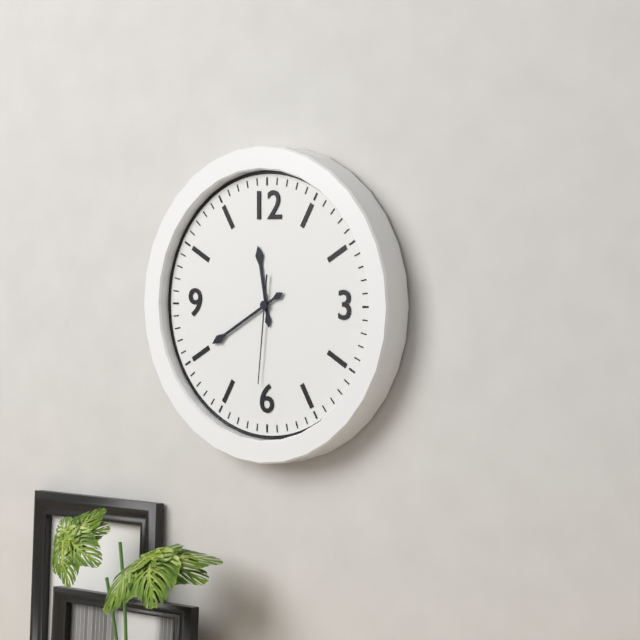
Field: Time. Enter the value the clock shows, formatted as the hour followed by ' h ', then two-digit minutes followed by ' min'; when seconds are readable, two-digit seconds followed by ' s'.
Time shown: 11 h 40 min 31 s
